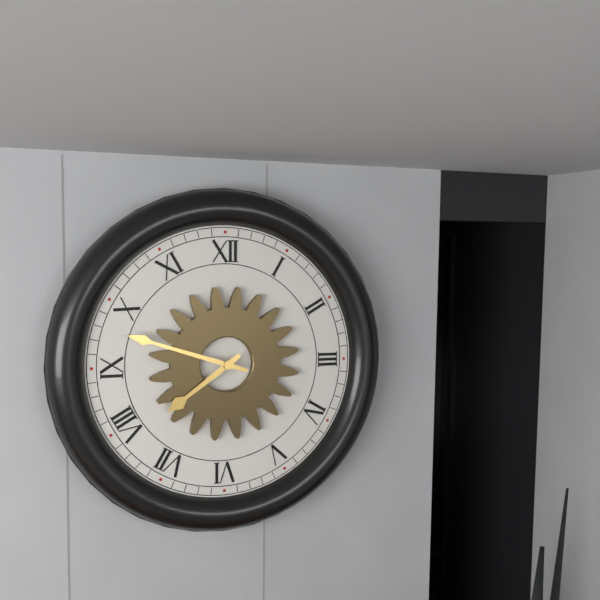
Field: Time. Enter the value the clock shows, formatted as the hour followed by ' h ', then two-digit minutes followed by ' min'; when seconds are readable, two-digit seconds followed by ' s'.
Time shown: 7 h 48 min
